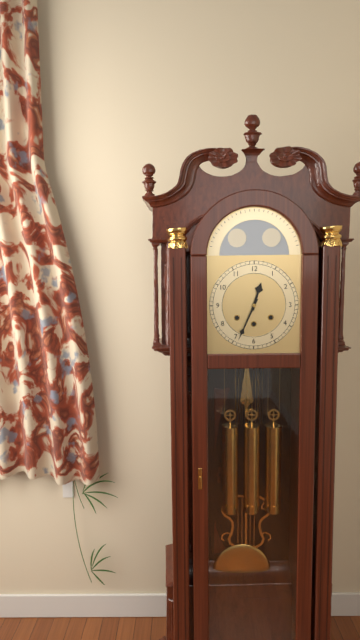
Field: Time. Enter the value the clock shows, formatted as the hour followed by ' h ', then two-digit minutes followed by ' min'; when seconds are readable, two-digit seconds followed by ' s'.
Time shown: 12 h 34 min
